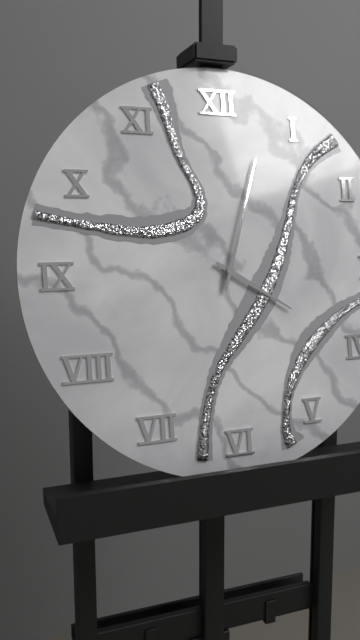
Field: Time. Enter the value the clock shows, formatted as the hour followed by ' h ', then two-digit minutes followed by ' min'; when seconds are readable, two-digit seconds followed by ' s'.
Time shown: 4 h 03 min
